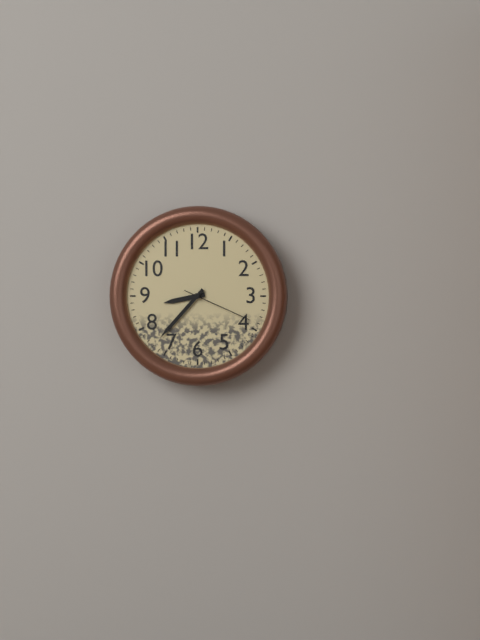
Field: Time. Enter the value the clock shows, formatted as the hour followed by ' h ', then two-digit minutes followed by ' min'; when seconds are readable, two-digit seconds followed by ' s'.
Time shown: 8 h 37 min 19 s
